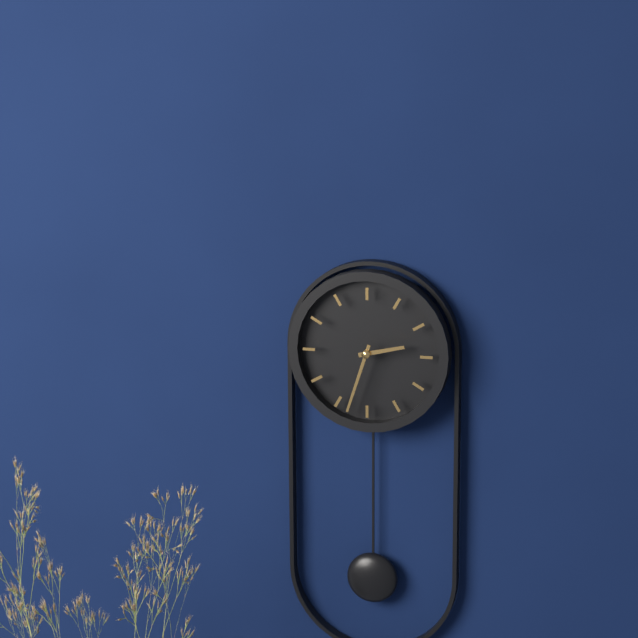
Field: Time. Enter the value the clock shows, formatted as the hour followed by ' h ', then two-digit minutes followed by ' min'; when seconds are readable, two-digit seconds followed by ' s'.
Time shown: 2 h 33 min
